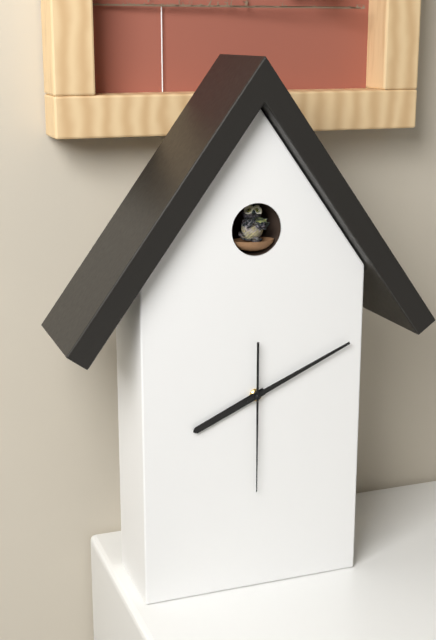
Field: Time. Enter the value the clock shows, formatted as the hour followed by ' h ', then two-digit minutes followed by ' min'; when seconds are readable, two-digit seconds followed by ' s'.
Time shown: 8 h 11 min 30 s
